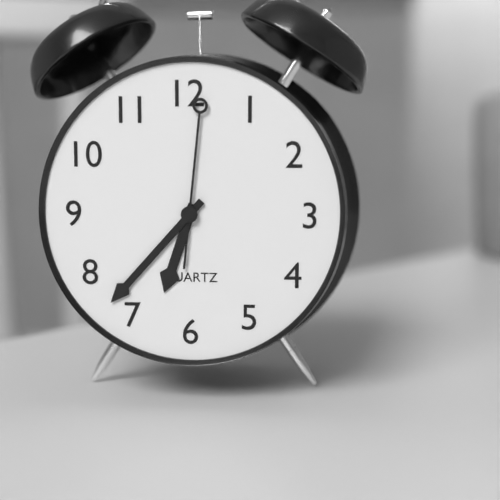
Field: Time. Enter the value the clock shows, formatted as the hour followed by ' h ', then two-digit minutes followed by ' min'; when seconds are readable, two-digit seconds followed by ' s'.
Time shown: 6 h 37 min 01 s
